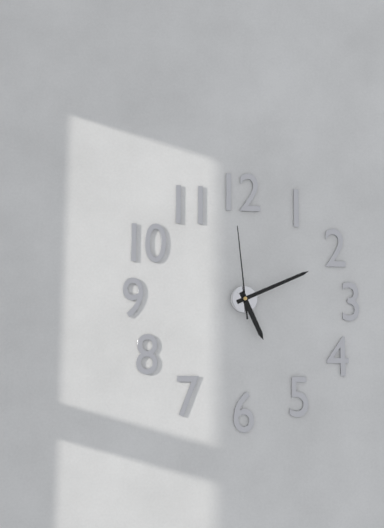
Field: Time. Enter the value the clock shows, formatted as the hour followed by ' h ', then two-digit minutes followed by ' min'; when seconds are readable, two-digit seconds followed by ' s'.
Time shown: 5 h 11 min 59 s
